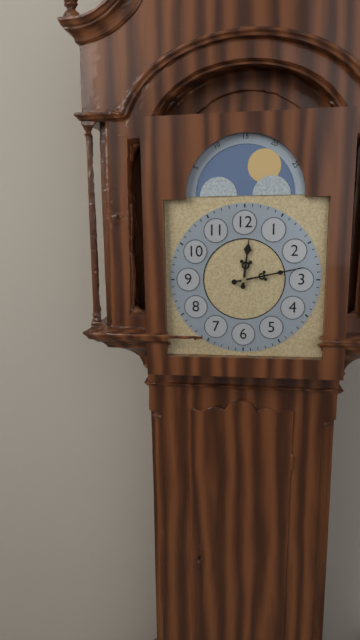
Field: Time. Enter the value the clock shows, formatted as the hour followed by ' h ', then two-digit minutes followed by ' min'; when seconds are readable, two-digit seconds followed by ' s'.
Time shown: 12 h 13 min
